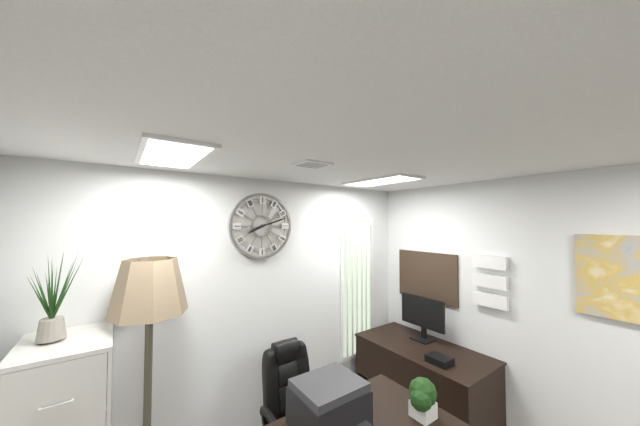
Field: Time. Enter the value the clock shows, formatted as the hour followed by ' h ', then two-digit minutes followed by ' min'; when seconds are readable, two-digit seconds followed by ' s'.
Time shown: 8 h 12 min
